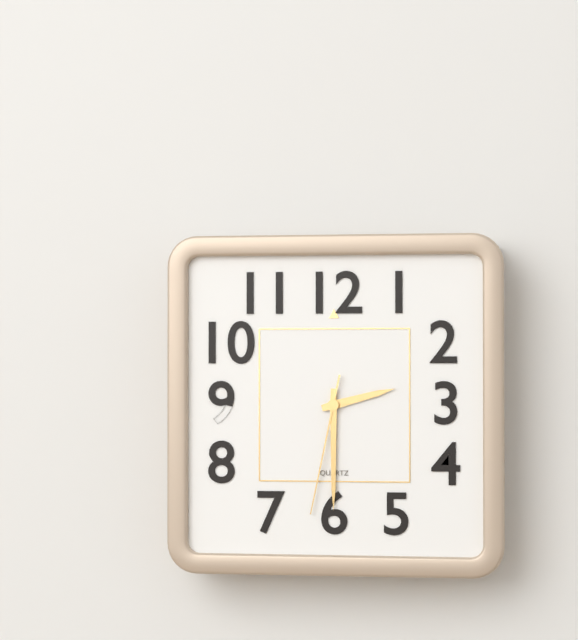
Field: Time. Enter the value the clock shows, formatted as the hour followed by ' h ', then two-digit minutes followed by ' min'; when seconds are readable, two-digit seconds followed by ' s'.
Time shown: 2 h 30 min 32 s
